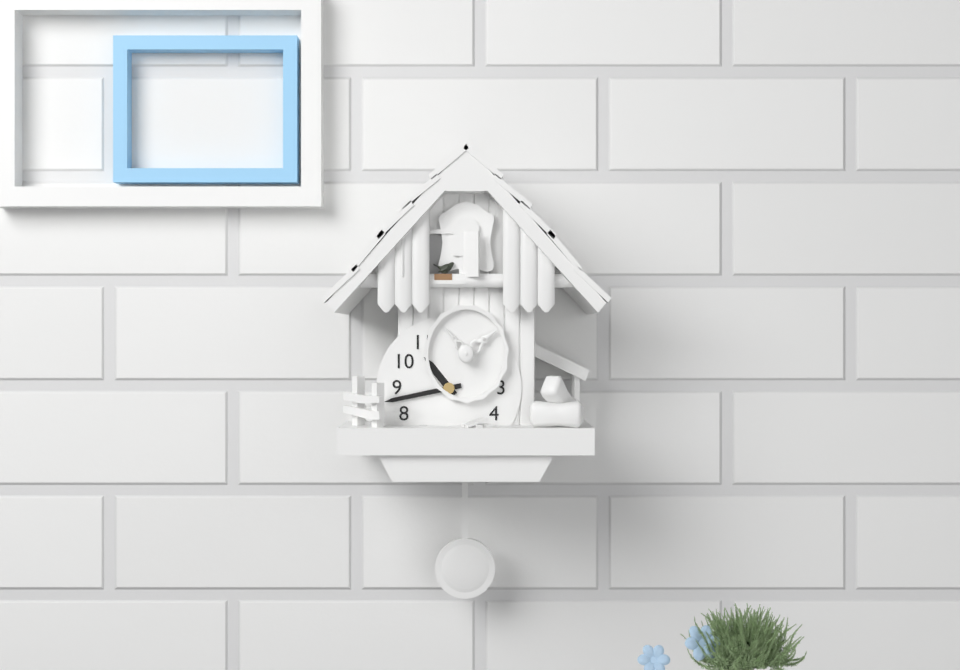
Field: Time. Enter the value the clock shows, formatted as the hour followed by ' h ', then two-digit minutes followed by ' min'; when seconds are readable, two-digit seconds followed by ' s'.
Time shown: 10 h 43 min
